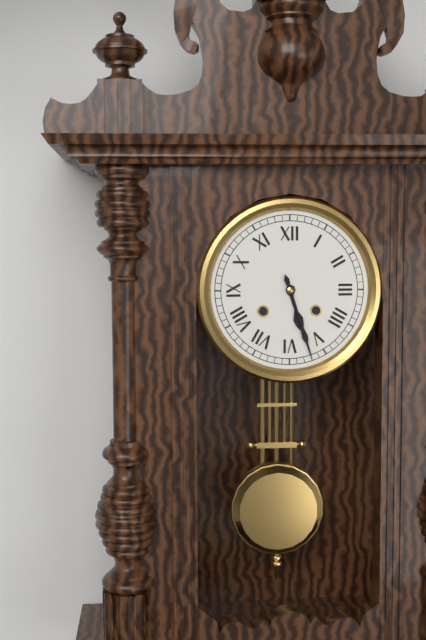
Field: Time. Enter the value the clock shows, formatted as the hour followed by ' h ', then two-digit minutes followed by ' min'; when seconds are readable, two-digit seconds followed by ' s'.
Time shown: 5 h 27 min
